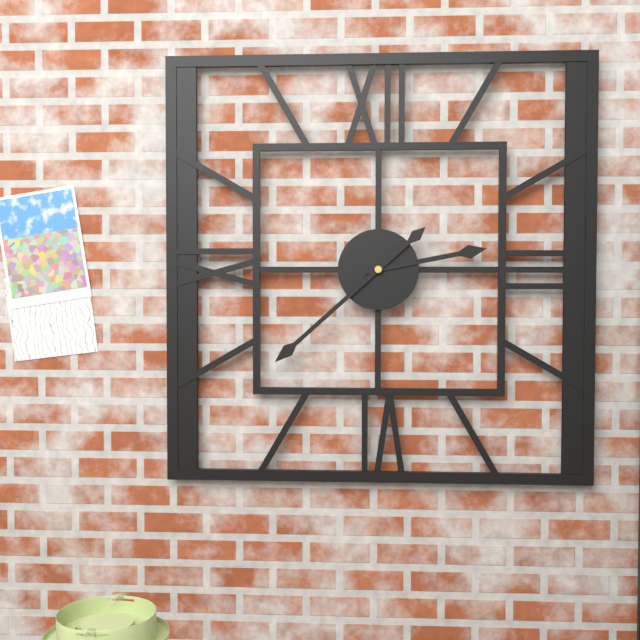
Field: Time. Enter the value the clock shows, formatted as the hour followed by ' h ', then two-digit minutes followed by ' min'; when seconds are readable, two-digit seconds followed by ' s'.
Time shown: 2 h 38 min
